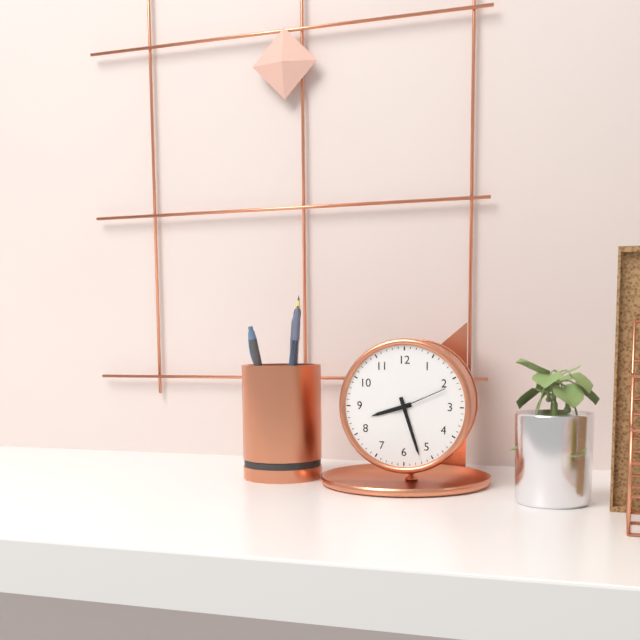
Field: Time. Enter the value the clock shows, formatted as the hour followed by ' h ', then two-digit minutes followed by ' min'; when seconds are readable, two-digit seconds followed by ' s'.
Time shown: 8 h 27 min 11 s
